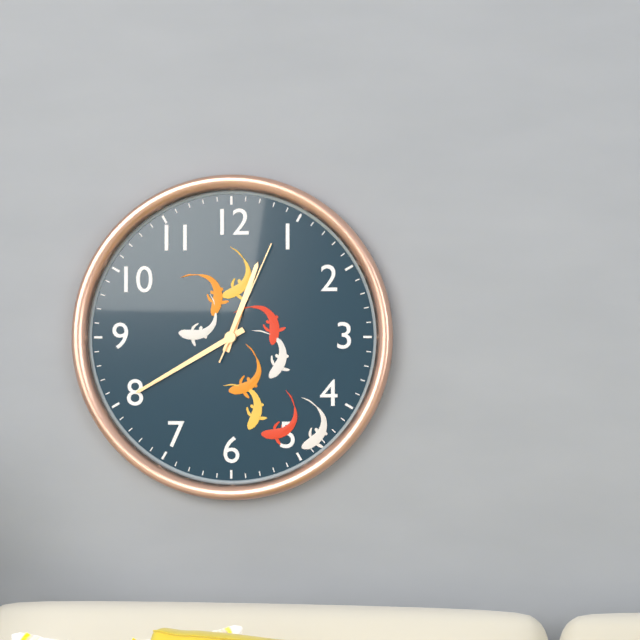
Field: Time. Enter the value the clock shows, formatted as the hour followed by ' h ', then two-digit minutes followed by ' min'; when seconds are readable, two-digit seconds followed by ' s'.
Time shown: 12 h 40 min 04 s
